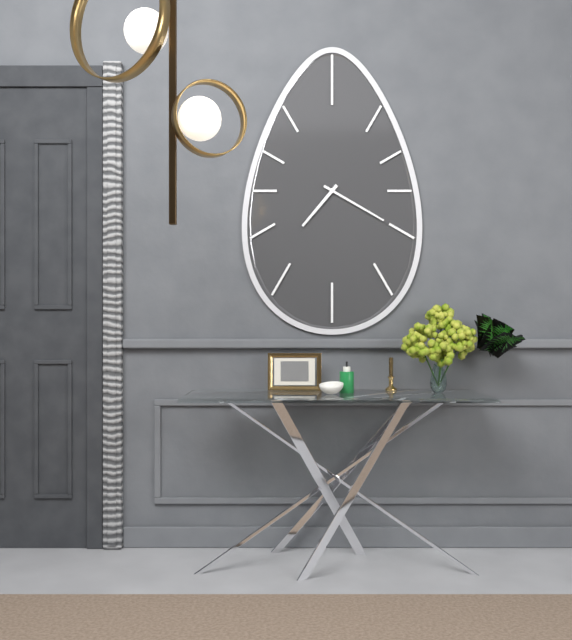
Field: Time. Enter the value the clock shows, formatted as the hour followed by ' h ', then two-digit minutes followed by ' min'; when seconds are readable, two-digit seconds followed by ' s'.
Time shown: 7 h 20 min
